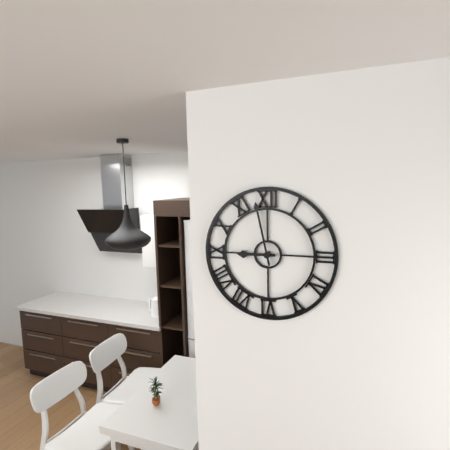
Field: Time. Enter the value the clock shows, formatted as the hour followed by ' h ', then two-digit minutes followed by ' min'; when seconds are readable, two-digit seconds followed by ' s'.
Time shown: 8 h 58 min
